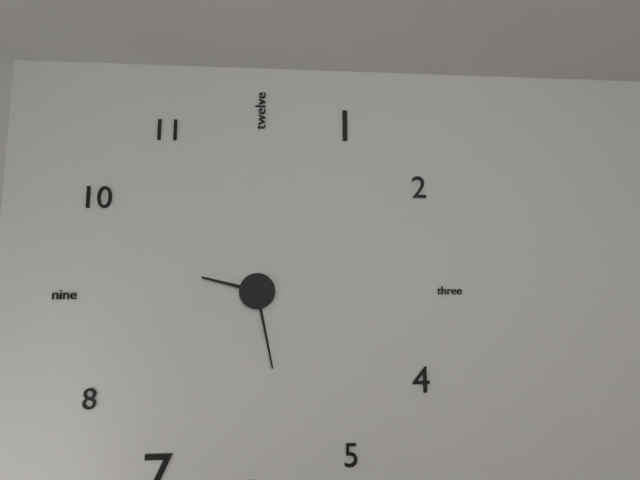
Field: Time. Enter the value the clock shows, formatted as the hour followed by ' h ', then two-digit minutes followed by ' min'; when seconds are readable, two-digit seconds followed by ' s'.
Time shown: 9 h 28 min
